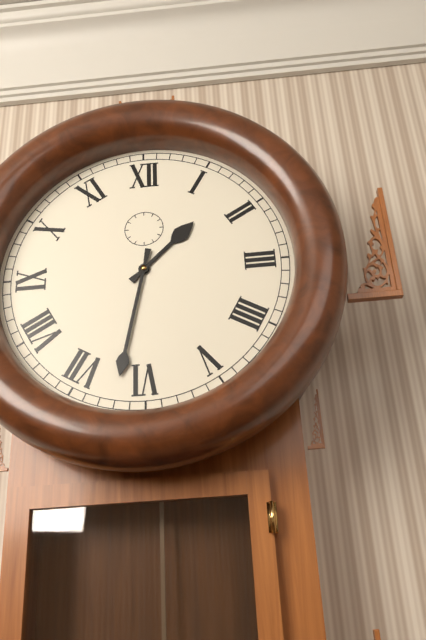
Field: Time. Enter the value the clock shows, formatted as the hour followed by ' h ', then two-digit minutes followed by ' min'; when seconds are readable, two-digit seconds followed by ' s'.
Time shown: 1 h 32 min
